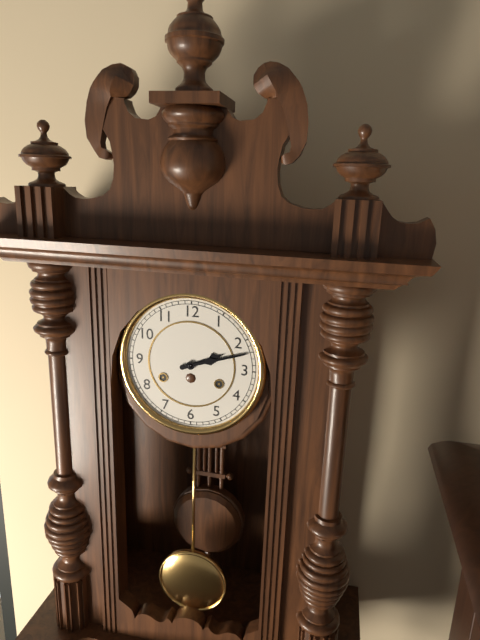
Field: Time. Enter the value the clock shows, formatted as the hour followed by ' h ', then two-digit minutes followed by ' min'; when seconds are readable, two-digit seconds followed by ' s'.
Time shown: 2 h 12 min
